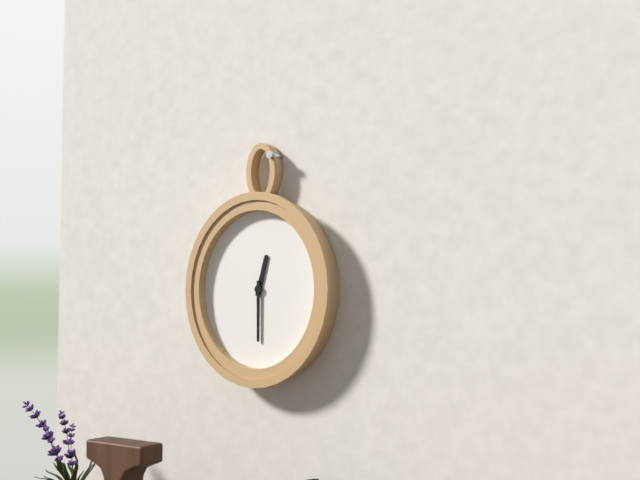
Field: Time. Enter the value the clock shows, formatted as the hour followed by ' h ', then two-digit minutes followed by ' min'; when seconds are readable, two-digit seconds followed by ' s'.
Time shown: 12 h 30 min
